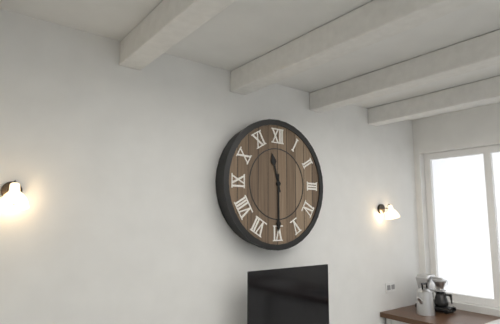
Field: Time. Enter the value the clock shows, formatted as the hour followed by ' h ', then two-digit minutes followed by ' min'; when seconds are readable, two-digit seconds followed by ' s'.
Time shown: 11 h 30 min
